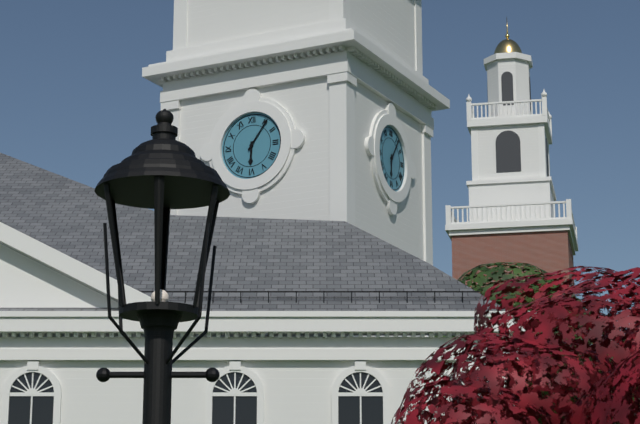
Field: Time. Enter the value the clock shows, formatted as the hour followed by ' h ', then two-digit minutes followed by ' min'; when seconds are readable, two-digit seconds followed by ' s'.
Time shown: 6 h 06 min
